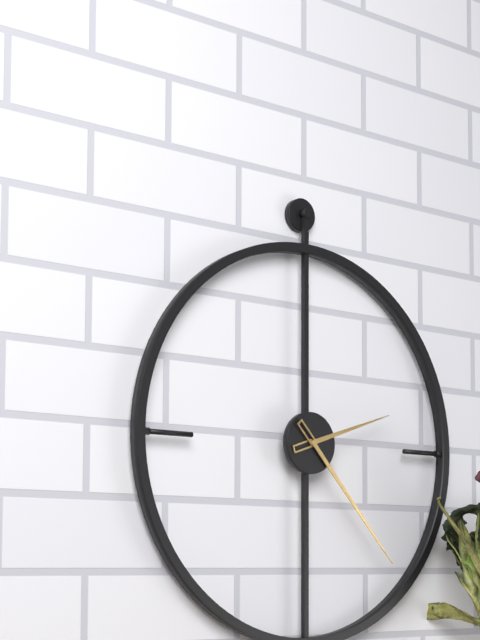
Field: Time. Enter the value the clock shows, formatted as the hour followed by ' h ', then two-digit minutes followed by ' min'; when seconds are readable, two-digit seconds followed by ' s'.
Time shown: 2 h 23 min
